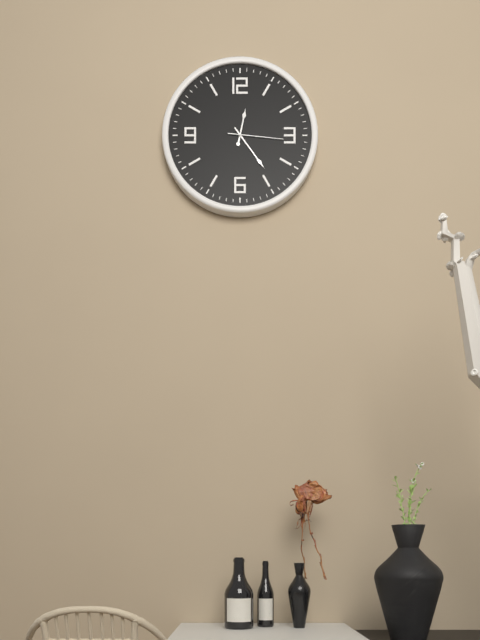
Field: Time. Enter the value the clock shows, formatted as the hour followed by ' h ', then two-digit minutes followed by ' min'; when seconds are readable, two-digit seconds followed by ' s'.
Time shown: 12 h 24 min 16 s
